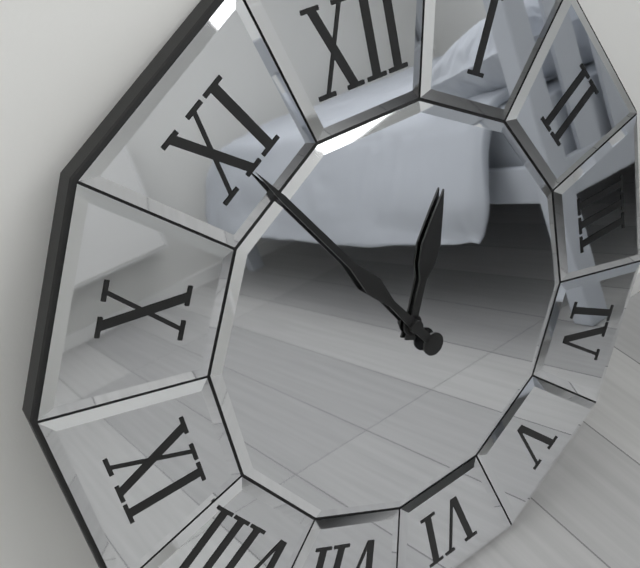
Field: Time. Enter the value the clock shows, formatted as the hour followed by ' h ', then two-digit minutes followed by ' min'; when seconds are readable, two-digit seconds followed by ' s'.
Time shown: 12 h 55 min
